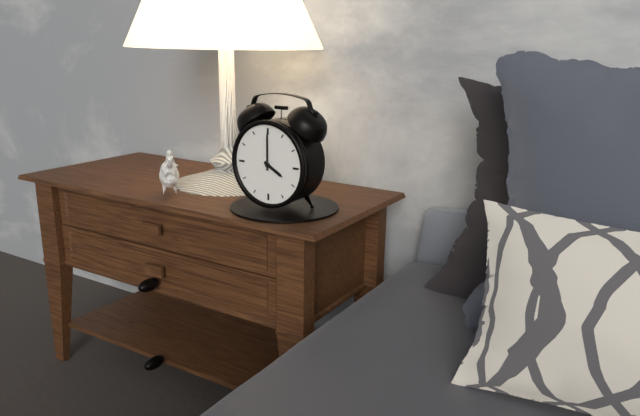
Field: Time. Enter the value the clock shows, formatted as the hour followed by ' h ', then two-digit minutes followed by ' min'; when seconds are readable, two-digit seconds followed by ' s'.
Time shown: 4 h 00 min
